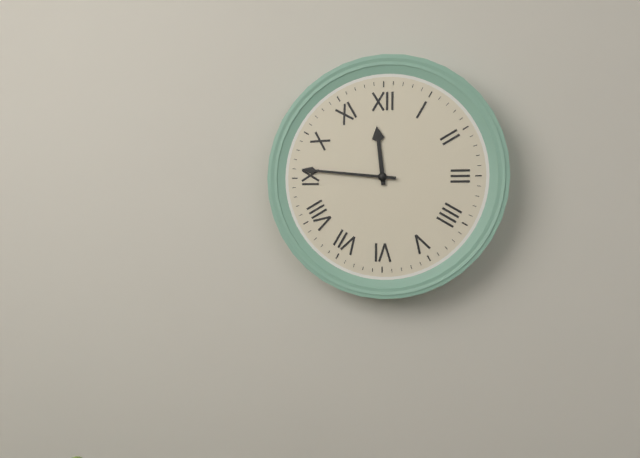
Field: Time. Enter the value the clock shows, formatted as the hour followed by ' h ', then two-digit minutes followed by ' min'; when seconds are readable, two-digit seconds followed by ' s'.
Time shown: 11 h 46 min
